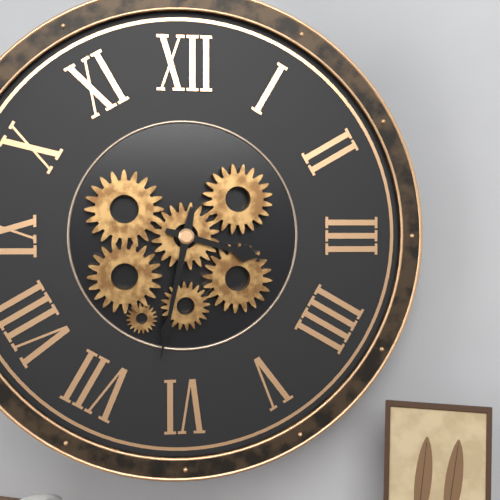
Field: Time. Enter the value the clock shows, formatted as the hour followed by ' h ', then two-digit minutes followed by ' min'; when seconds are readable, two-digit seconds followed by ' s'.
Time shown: 3 h 32 min
